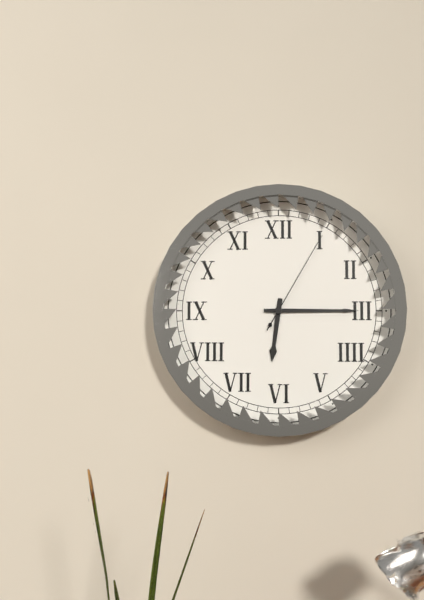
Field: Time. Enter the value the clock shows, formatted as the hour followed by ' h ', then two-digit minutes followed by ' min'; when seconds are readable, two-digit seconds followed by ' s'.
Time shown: 6 h 15 min 05 s
